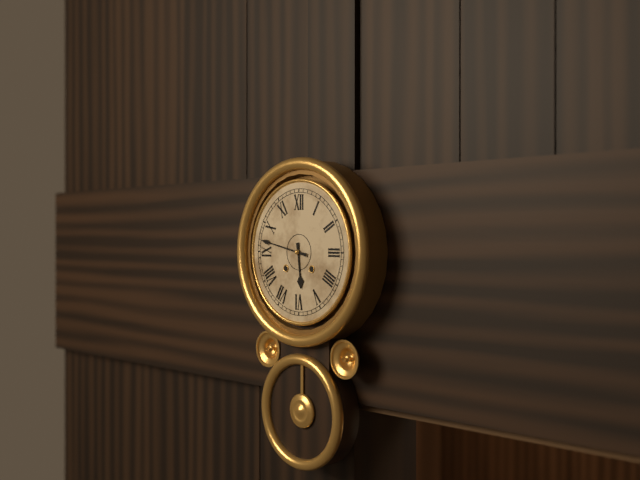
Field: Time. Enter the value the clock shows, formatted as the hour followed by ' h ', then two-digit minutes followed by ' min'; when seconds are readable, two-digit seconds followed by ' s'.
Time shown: 5 h 47 min
